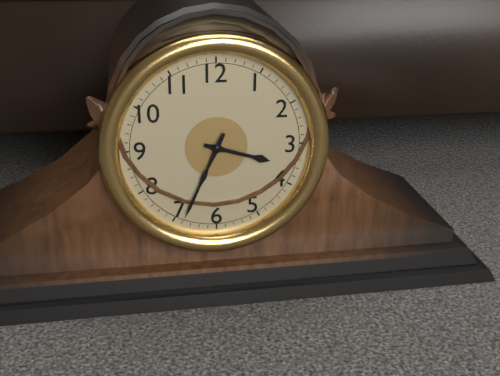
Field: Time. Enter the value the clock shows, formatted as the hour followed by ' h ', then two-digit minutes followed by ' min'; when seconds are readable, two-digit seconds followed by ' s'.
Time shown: 3 h 34 min
